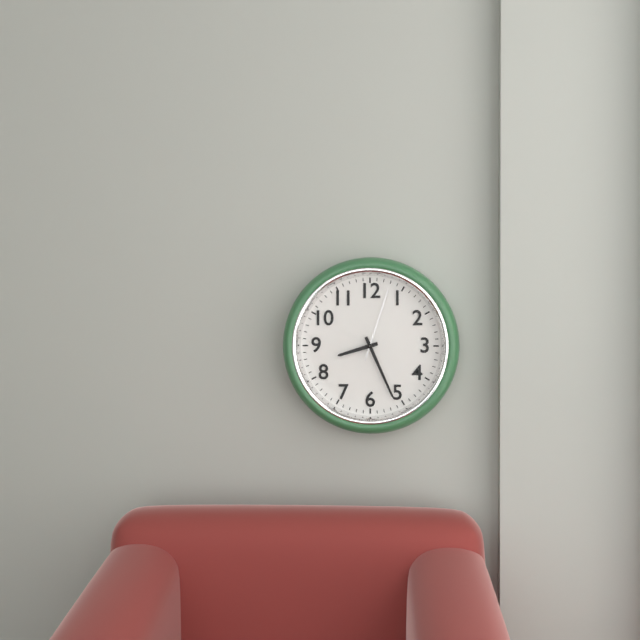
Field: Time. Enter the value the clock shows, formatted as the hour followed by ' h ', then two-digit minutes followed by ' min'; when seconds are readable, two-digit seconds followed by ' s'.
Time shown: 8 h 26 min 03 s
